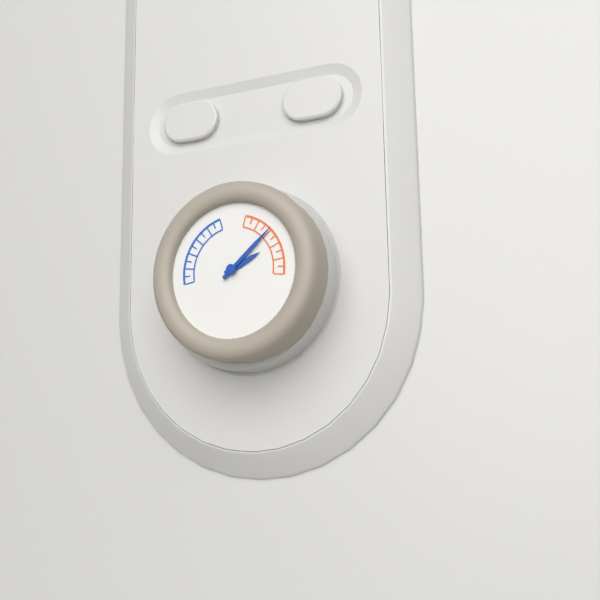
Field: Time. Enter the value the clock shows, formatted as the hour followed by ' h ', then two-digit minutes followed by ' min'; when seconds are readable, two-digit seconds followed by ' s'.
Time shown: 2 h 08 min
